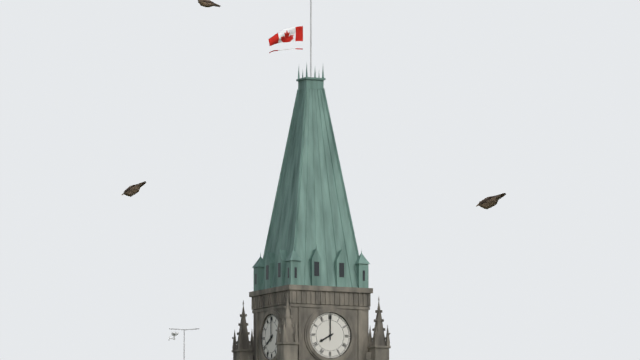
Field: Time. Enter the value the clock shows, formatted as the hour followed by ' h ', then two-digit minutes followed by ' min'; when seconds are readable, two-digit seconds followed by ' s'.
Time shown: 8 h 00 min
